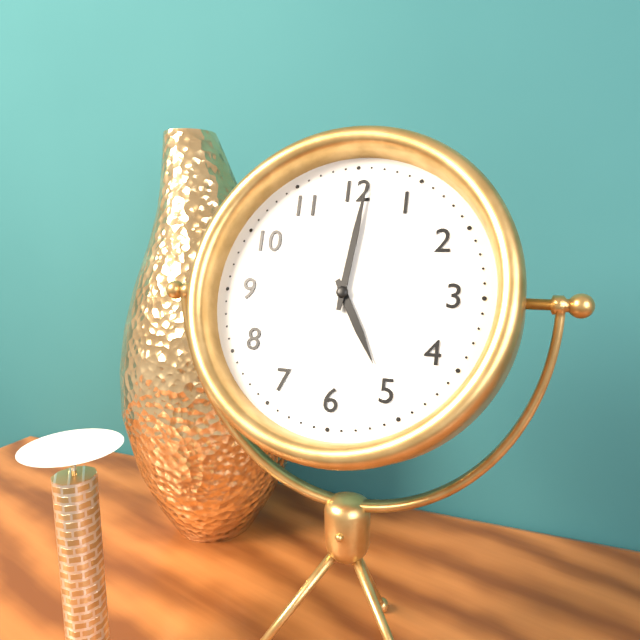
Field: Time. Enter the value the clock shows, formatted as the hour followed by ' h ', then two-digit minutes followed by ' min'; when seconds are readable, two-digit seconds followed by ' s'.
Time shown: 5 h 01 min
